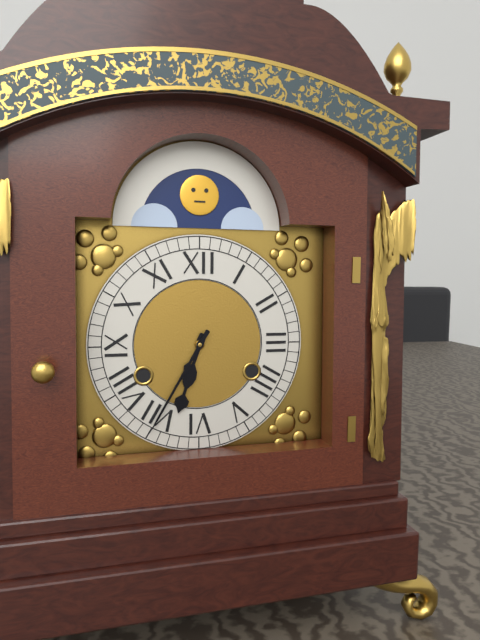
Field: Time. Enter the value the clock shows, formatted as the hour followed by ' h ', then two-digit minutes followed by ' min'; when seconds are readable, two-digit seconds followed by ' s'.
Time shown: 6 h 35 min
